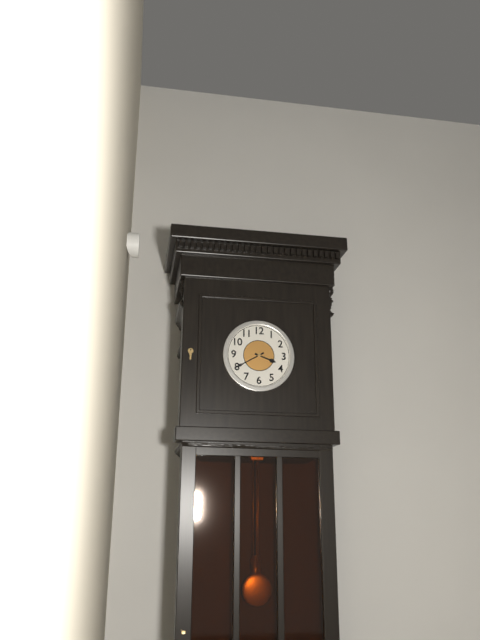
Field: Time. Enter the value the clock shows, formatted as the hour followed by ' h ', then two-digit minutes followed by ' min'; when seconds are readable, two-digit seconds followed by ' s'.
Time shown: 3 h 40 min
